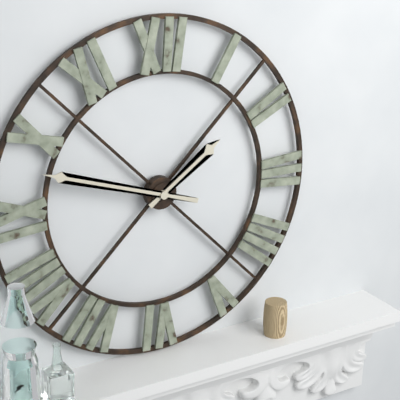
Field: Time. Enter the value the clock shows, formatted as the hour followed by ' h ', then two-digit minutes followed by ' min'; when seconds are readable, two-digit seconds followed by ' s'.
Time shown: 1 h 48 min
